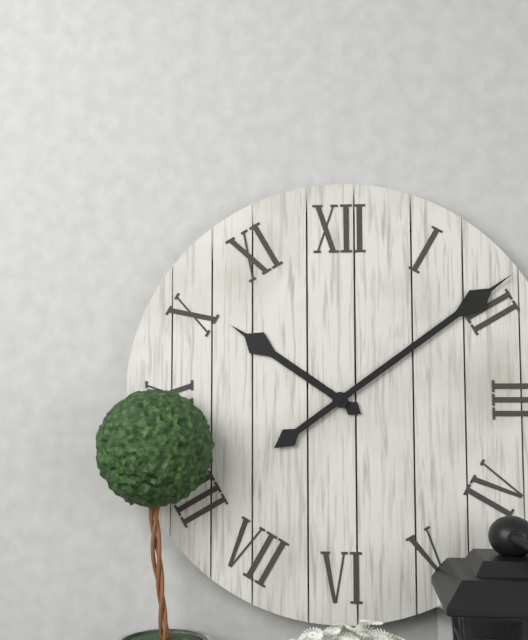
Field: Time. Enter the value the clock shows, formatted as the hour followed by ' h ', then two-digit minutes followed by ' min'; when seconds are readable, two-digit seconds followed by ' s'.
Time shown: 10 h 09 min
